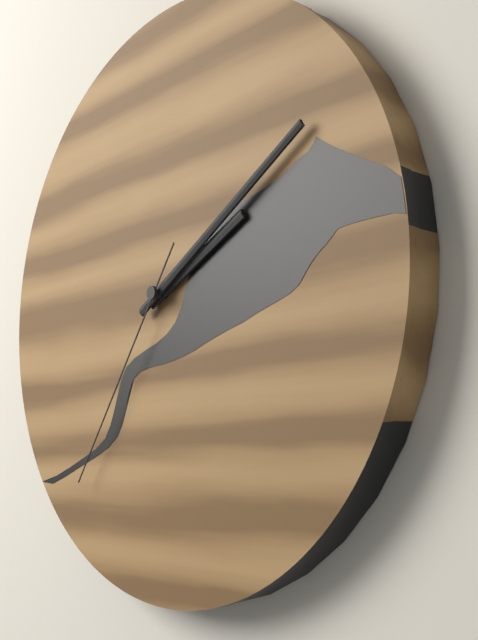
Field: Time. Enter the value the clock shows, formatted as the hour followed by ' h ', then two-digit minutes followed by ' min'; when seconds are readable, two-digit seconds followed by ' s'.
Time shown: 2 h 10 min 36 s
